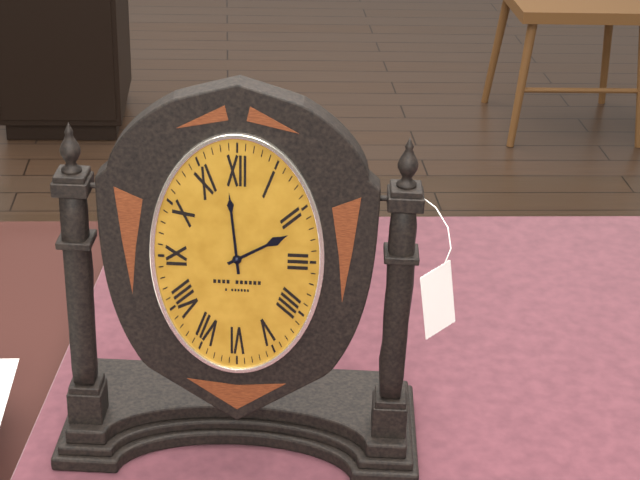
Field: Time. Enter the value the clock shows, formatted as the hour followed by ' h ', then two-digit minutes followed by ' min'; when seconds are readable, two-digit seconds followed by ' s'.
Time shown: 1 h 59 min
